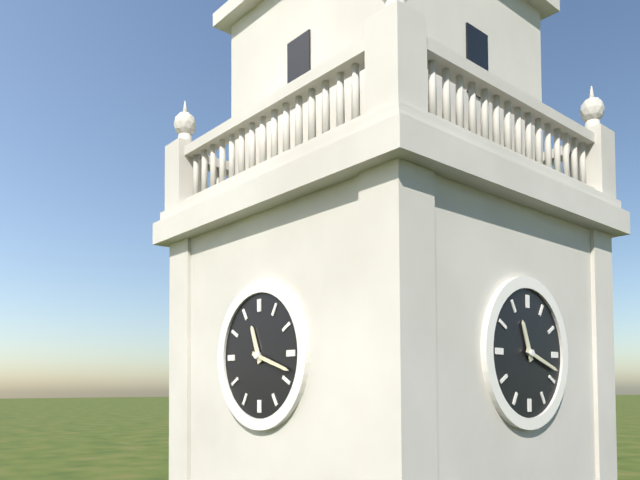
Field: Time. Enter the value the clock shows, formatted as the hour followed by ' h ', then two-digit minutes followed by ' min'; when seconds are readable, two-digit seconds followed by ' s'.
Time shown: 11 h 18 min
